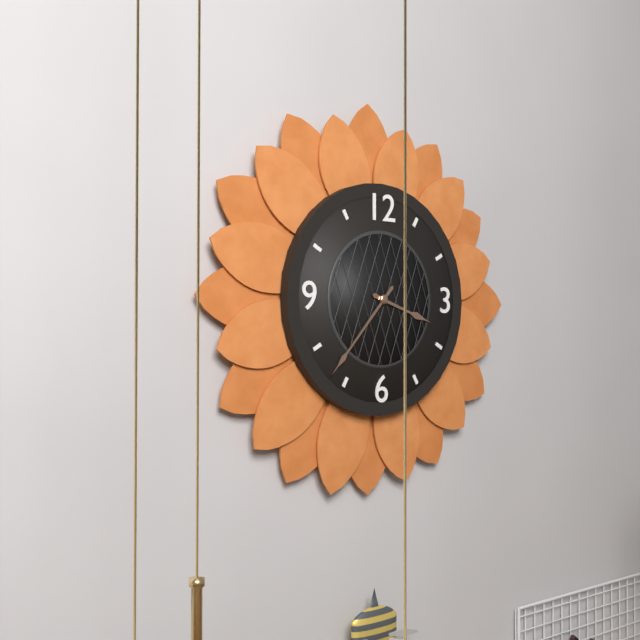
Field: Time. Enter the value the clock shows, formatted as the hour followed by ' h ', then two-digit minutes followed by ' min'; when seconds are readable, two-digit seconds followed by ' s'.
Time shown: 3 h 37 min
